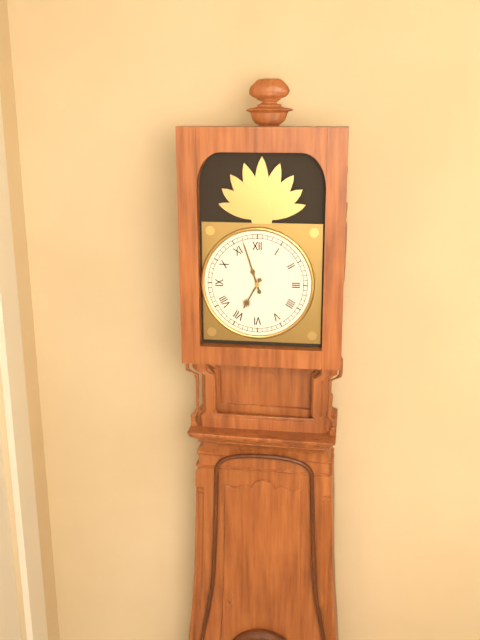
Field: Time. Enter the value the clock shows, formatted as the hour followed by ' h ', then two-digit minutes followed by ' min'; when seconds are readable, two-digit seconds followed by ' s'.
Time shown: 6 h 57 min
